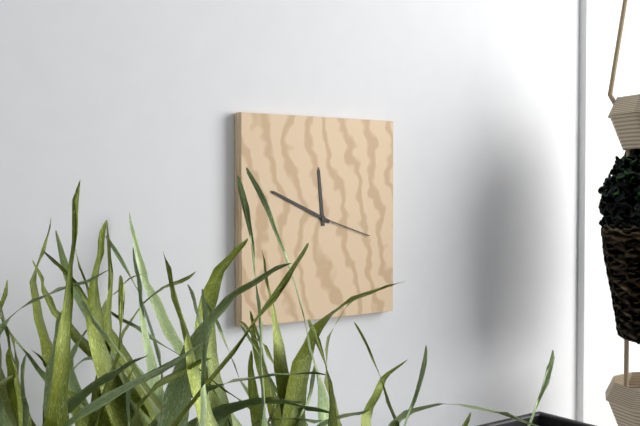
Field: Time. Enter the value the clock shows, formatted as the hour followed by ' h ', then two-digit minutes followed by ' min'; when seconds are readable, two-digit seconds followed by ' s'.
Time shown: 11 h 49 min 18 s
